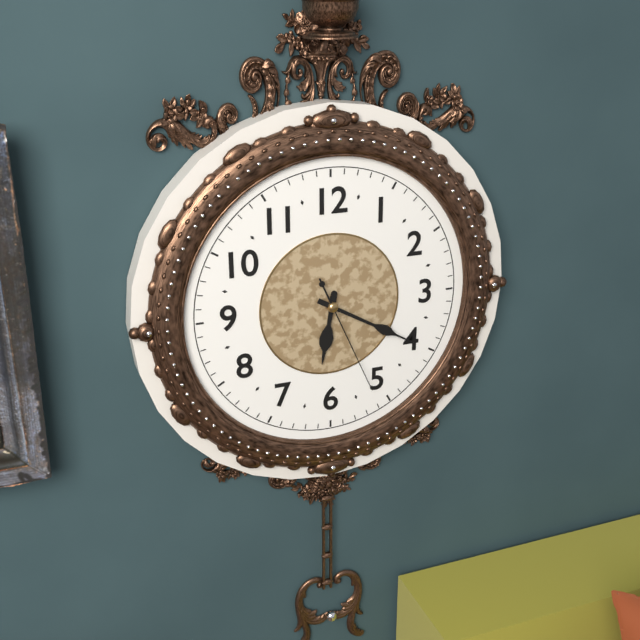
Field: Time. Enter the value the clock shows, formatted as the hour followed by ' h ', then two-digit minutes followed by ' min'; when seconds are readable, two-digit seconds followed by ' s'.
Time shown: 6 h 20 min 26 s
